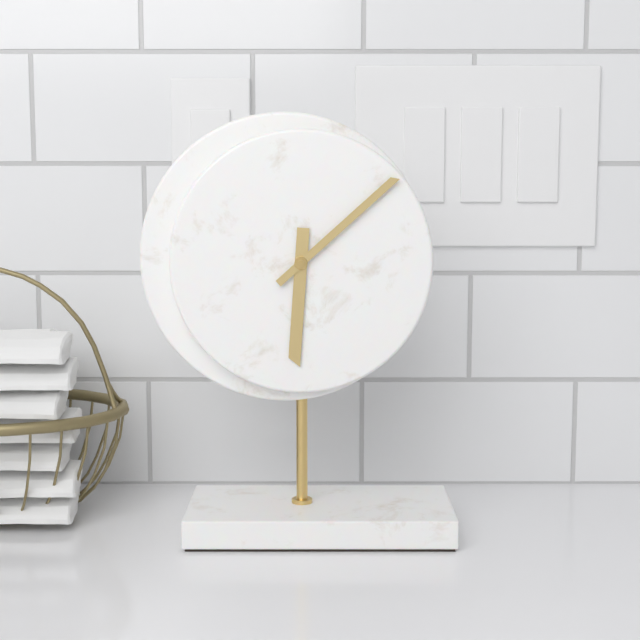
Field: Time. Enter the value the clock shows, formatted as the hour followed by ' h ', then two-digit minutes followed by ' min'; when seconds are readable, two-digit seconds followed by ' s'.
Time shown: 6 h 08 min
